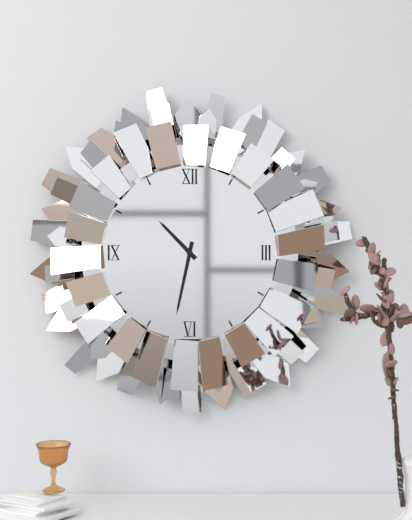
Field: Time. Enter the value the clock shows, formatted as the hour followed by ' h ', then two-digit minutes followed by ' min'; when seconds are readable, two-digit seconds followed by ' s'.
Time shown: 10 h 32 min
